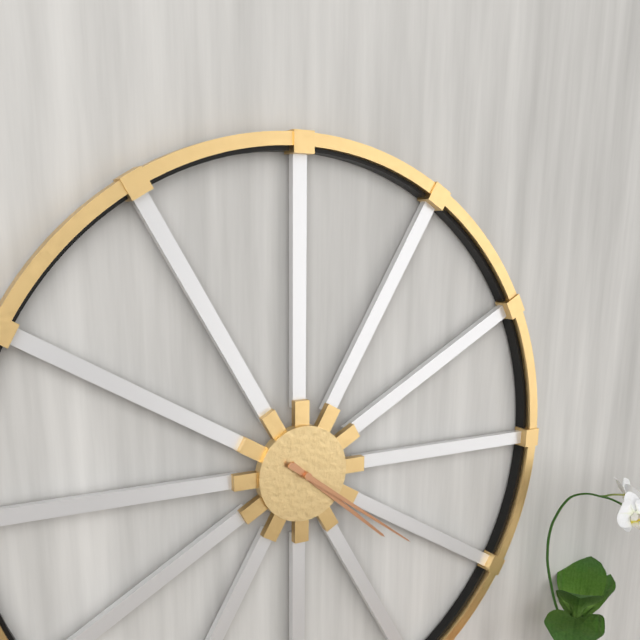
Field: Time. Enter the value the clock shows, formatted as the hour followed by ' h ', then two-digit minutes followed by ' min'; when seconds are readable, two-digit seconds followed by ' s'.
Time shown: 4 h 21 min
